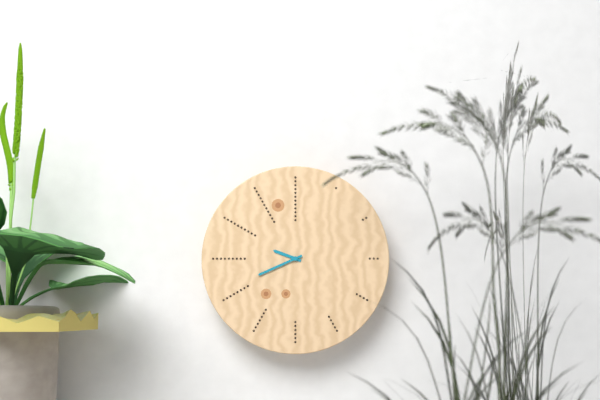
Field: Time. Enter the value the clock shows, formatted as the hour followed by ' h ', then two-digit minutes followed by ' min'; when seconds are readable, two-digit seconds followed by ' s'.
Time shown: 9 h 41 min
